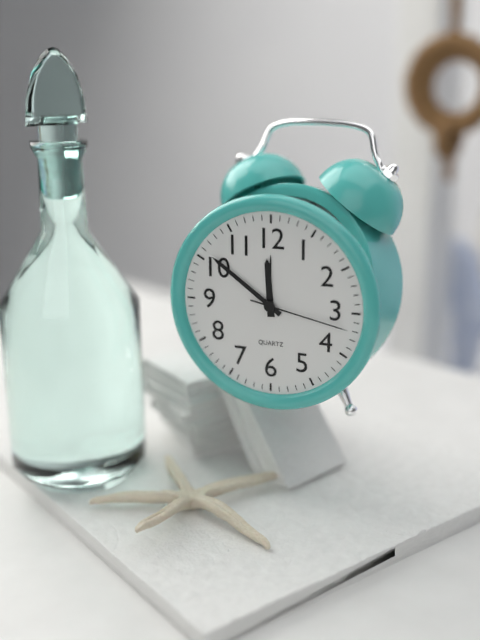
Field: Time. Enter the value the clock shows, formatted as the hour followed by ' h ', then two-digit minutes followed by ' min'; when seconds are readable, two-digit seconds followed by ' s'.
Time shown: 11 h 51 min 17 s
